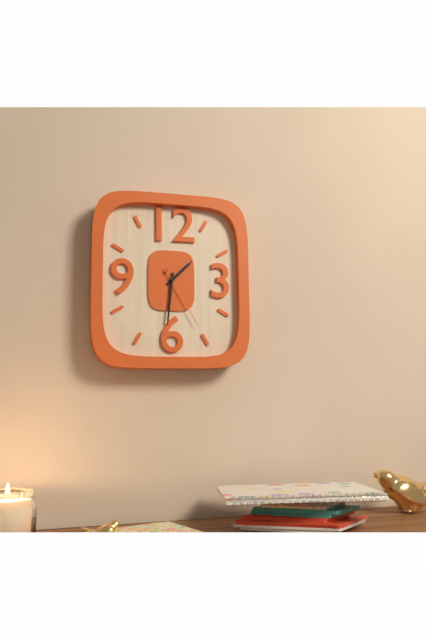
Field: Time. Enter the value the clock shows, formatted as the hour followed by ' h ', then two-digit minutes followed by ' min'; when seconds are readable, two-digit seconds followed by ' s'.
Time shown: 1 h 31 min 25 s
